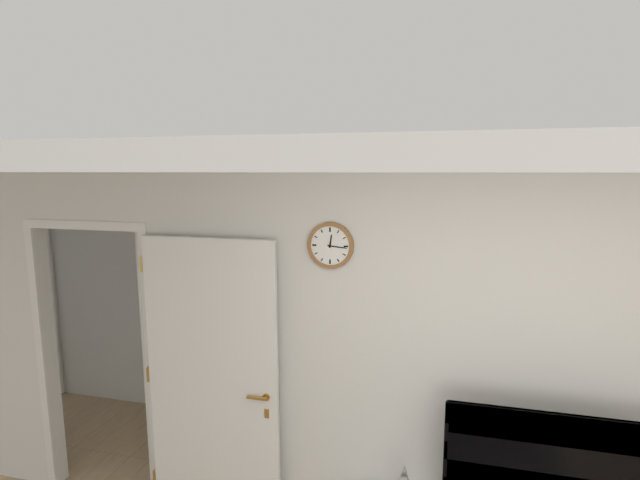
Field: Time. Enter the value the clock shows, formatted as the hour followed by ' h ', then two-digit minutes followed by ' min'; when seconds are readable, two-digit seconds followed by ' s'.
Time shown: 12 h 16 min
